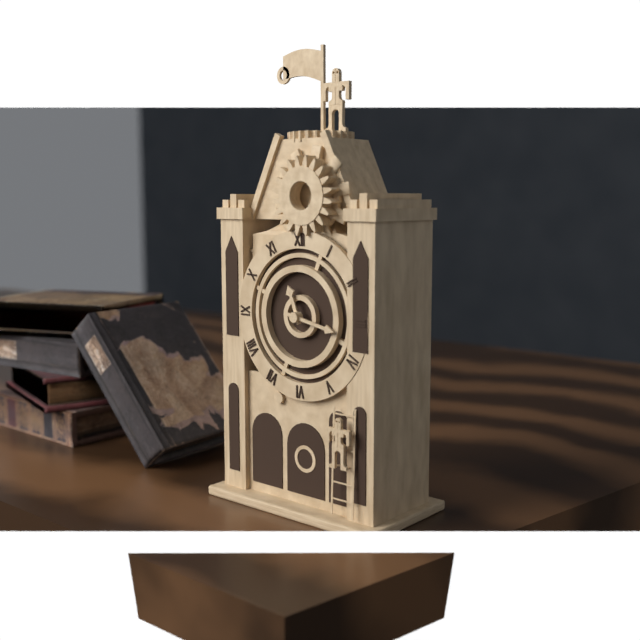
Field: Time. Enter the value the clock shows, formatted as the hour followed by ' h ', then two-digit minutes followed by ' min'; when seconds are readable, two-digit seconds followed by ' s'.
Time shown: 11 h 17 min
